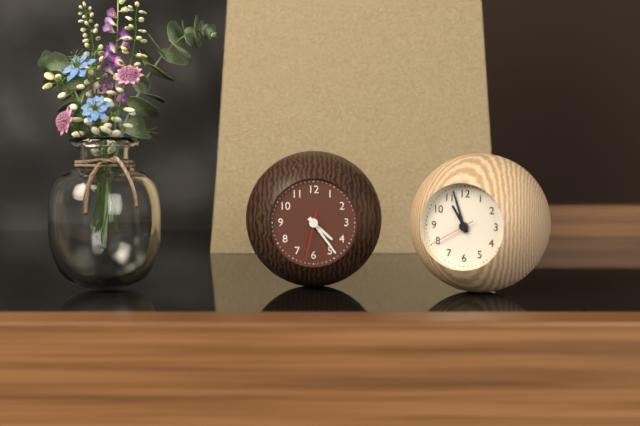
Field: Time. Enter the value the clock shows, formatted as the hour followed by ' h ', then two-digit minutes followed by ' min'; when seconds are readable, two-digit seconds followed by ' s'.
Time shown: 4 h 24 min
